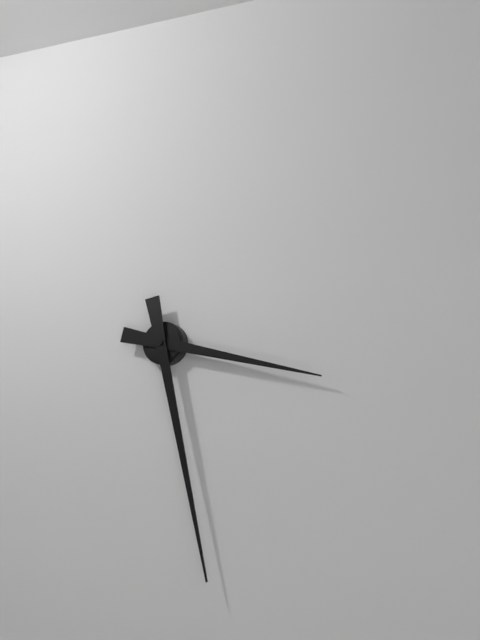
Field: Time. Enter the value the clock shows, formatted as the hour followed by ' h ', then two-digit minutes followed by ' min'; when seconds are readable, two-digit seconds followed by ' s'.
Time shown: 3 h 28 min
